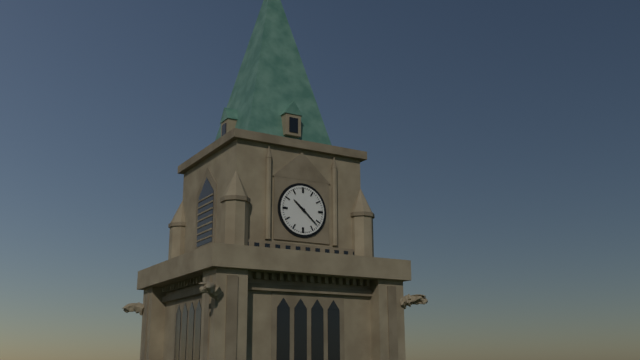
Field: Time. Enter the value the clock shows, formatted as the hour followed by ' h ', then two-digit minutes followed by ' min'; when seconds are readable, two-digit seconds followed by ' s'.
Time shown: 10 h 22 min
